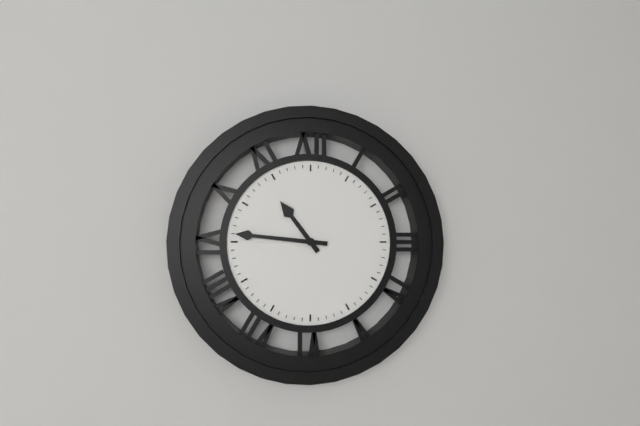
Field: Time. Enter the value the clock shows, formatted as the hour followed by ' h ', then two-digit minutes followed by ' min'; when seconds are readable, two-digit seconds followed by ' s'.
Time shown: 10 h 46 min
